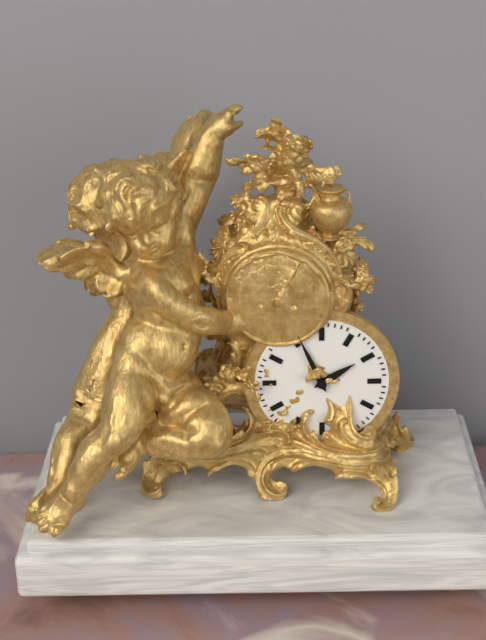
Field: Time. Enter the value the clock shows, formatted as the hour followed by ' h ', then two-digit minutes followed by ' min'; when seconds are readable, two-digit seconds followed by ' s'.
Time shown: 1 h 56 min
